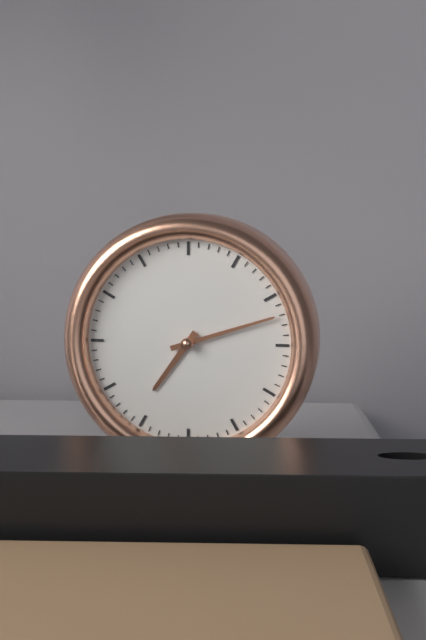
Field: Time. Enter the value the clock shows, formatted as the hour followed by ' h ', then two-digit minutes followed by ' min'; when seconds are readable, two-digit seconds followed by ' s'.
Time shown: 7 h 12 min
